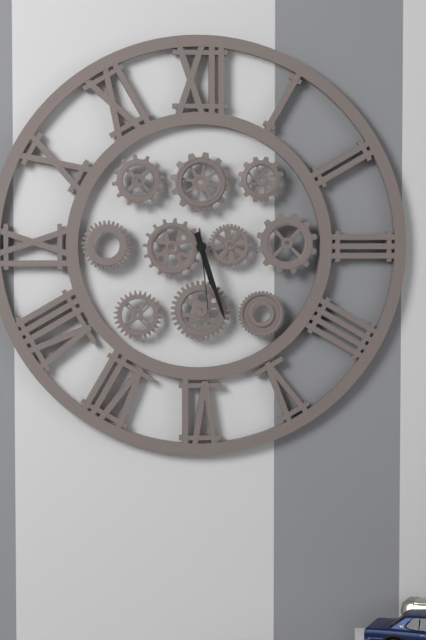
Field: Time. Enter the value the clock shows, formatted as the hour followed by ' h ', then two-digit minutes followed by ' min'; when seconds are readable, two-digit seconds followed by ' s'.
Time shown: 5 h 27 min 29 s
